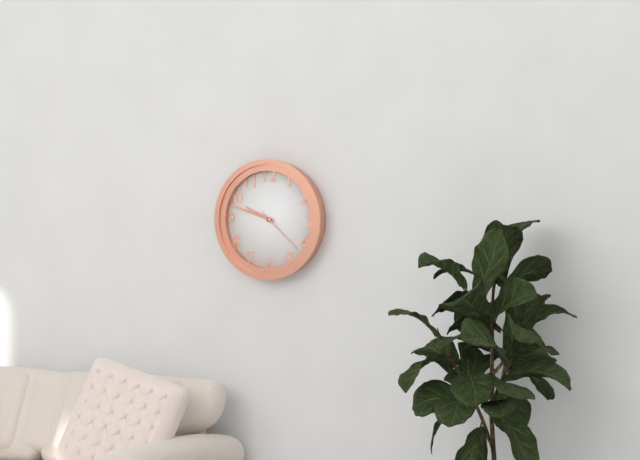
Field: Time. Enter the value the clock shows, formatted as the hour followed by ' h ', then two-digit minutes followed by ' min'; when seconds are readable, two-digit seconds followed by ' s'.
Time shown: 9 h 48 min 22 s
